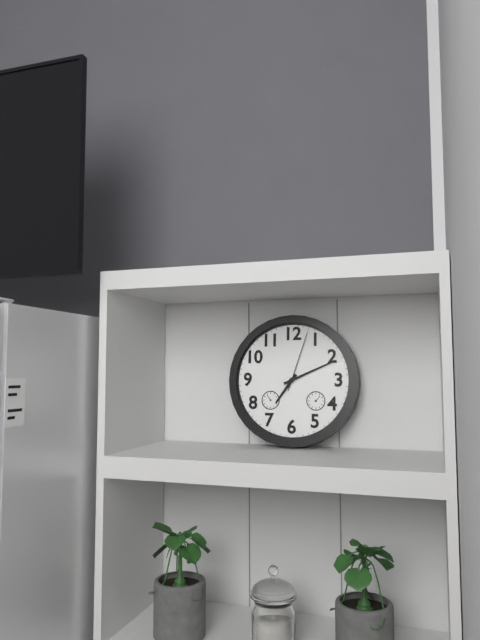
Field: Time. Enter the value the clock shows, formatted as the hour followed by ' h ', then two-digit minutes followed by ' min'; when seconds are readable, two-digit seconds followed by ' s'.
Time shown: 7 h 11 min 03 s
